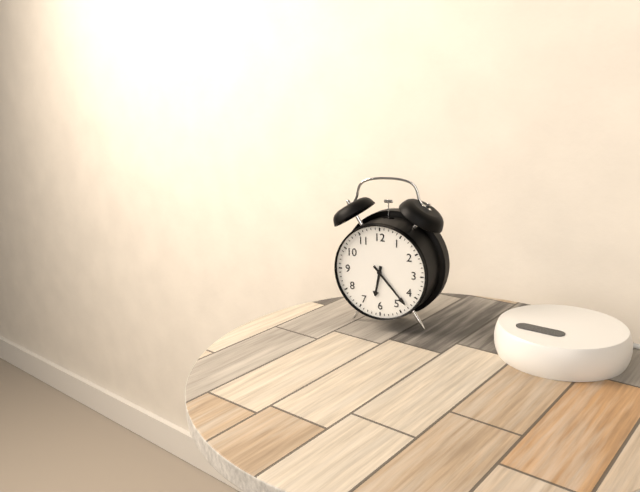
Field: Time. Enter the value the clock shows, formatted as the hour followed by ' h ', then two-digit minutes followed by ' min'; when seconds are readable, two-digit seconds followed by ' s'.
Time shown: 6 h 23 min
